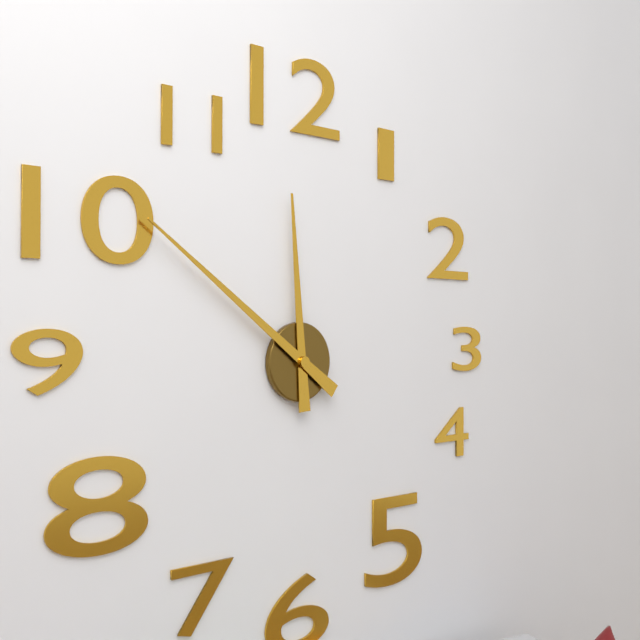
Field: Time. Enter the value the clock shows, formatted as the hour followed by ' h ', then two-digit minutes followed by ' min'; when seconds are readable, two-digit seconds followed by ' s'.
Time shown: 11 h 51 min
